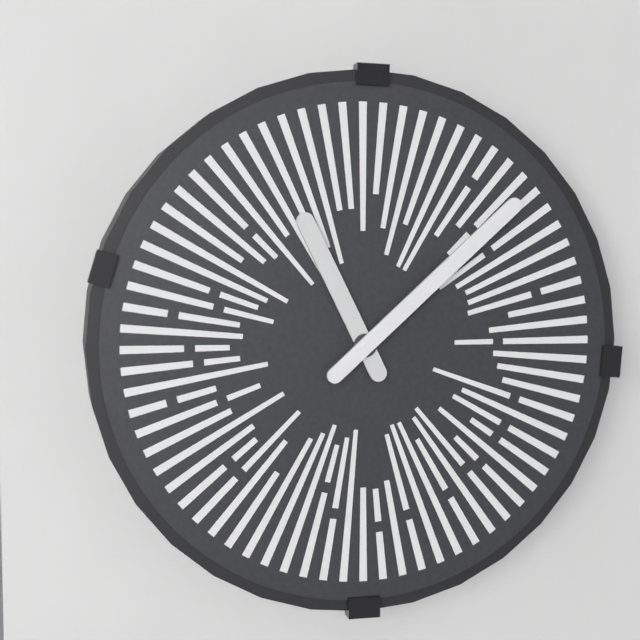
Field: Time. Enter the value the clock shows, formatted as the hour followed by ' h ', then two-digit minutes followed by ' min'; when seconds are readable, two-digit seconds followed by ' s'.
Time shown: 11 h 08 min
